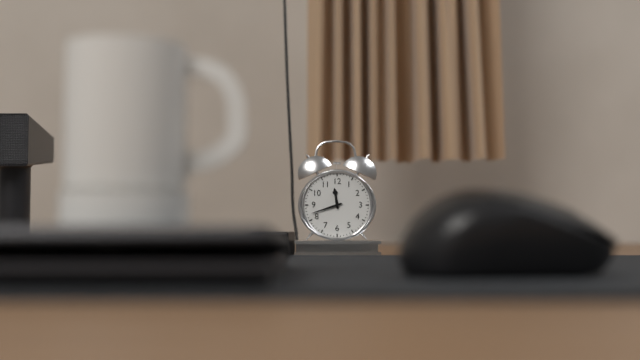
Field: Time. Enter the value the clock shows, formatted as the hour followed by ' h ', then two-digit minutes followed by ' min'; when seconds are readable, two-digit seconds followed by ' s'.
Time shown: 11 h 42 min
